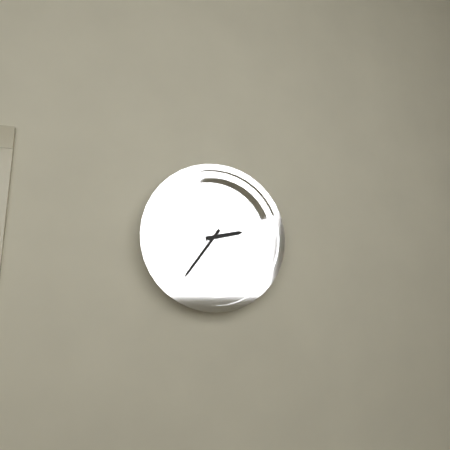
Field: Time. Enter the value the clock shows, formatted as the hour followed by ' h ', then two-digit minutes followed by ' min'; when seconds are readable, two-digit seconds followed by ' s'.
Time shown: 2 h 36 min
